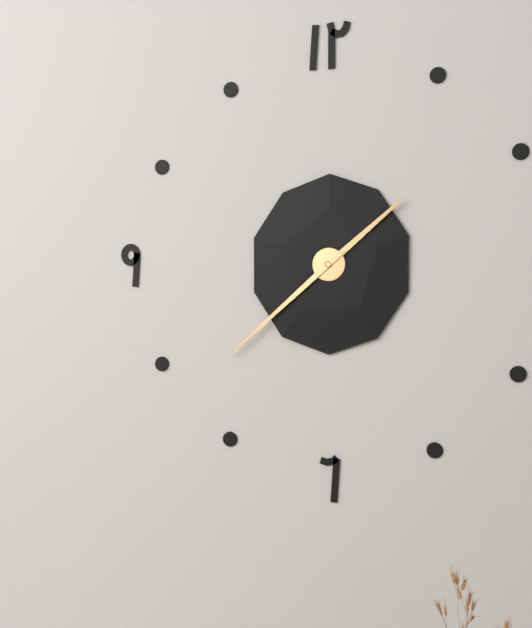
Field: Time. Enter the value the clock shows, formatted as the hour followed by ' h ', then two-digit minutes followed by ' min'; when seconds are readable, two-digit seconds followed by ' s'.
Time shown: 1 h 38 min
